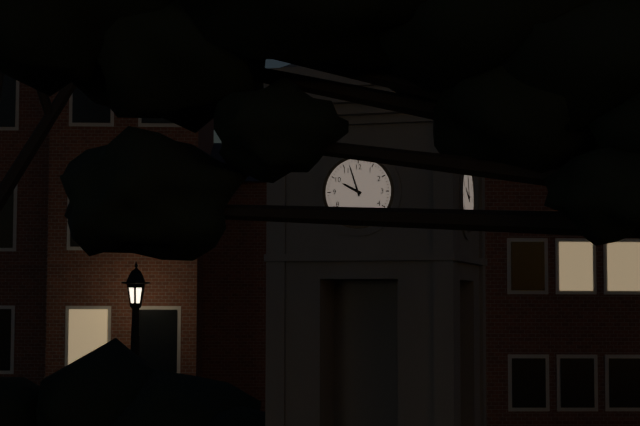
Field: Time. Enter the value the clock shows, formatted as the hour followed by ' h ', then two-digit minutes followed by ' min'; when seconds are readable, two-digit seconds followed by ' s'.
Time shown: 9 h 57 min
